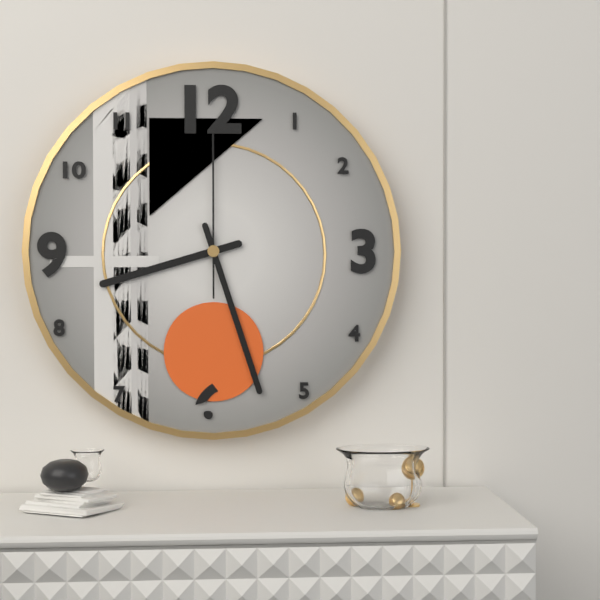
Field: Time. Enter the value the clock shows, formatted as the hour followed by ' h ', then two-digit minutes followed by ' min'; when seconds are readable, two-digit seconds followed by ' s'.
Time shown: 8 h 27 min 00 s
